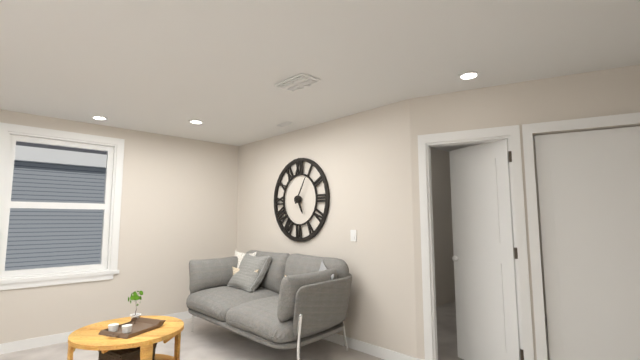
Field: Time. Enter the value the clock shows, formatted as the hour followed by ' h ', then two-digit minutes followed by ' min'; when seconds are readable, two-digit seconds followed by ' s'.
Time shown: 5 h 05 min
